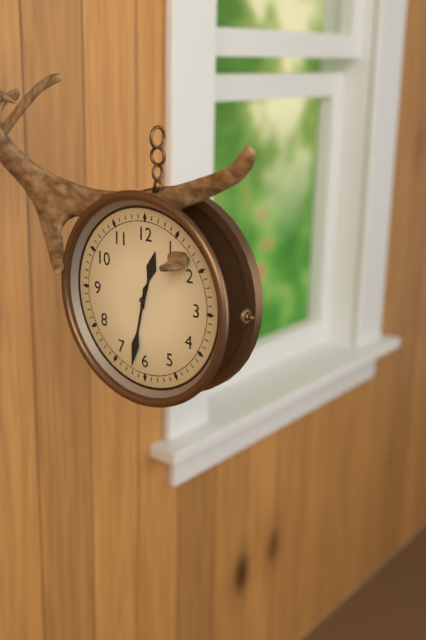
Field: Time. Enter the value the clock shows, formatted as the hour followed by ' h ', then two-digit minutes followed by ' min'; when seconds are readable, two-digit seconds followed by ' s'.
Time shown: 12 h 32 min
